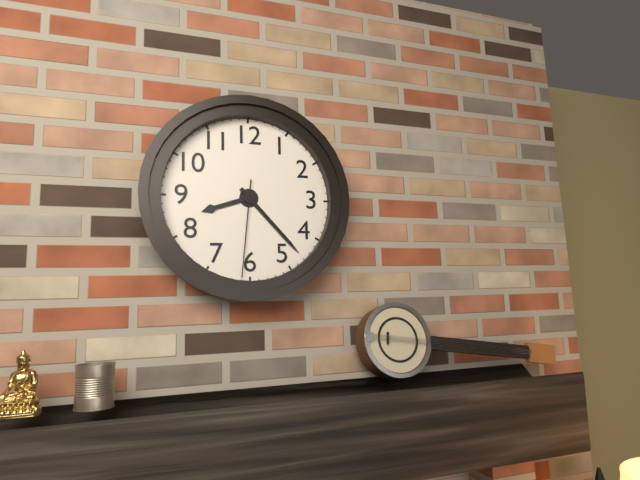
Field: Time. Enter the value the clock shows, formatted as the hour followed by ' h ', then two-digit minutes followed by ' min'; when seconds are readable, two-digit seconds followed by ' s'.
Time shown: 8 h 23 min 31 s
